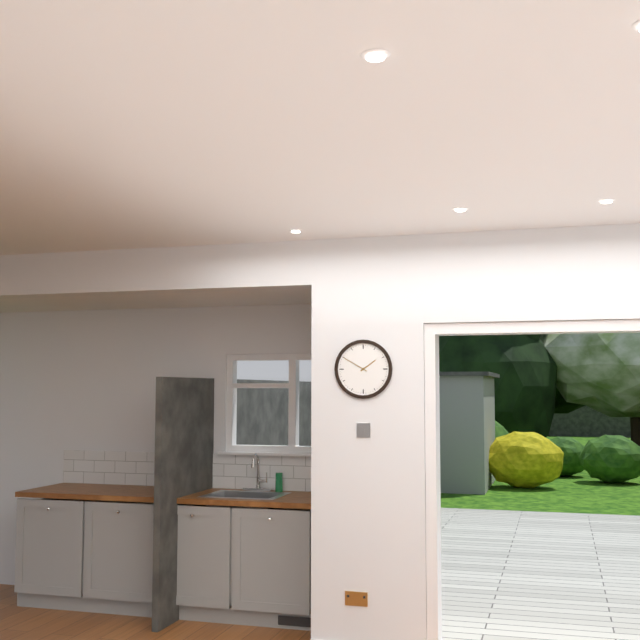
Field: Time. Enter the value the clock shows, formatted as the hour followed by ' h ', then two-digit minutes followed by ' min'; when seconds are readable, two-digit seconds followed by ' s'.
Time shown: 1 h 50 min
